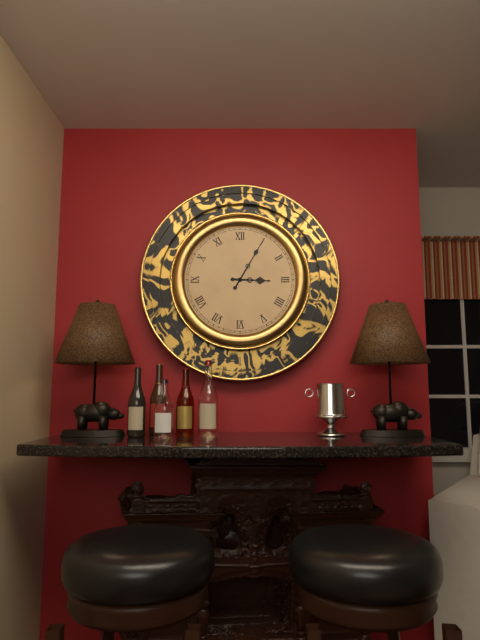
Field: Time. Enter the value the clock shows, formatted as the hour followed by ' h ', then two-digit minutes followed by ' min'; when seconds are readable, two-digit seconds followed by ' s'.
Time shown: 3 h 05 min
